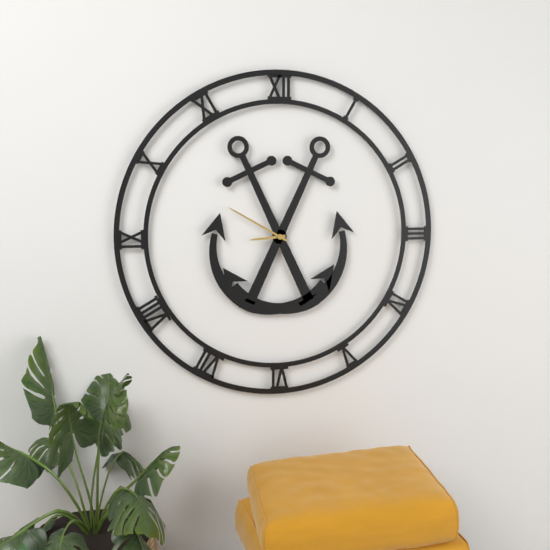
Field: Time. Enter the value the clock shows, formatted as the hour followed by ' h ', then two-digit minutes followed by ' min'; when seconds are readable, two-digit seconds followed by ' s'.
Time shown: 8 h 50 min
